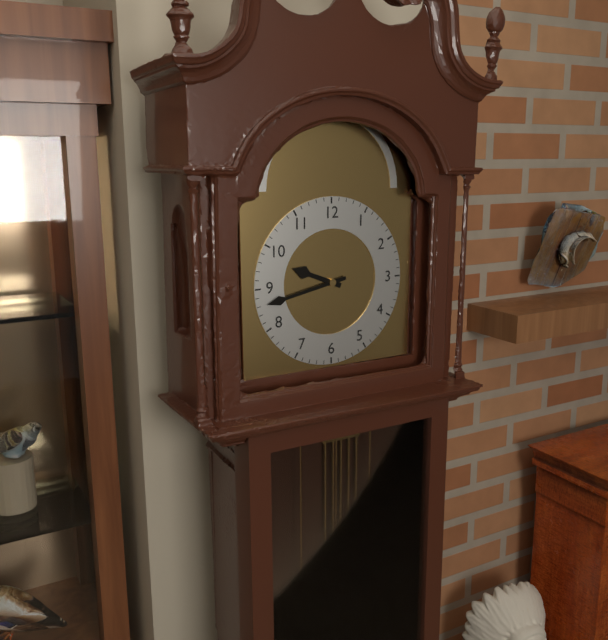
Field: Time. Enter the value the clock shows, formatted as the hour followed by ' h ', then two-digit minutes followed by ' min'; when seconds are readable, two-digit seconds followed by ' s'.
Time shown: 9 h 43 min
